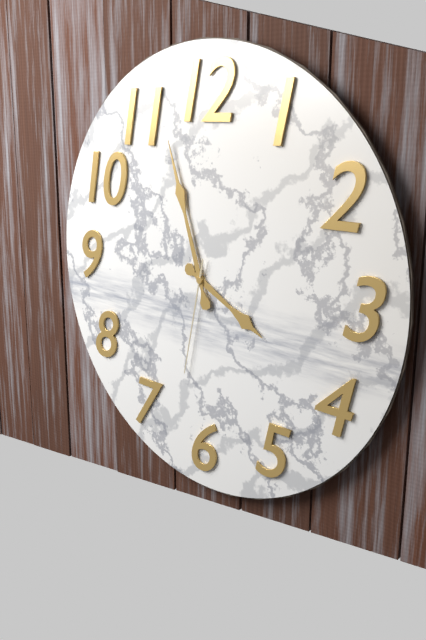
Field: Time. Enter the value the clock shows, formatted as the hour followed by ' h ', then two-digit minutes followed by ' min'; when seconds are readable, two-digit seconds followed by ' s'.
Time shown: 3 h 57 min 32 s
